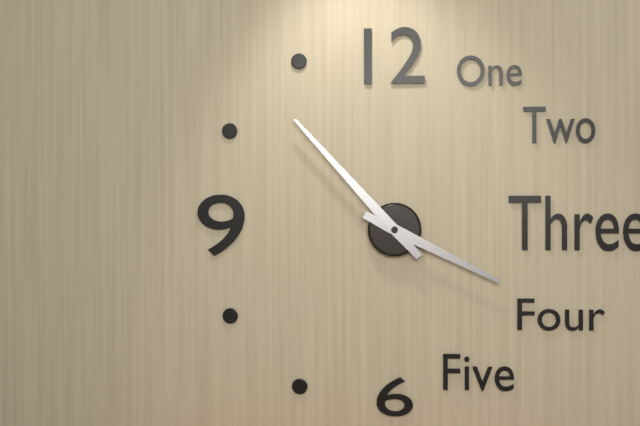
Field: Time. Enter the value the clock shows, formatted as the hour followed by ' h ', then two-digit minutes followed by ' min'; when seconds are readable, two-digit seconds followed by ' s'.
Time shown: 3 h 53 min
